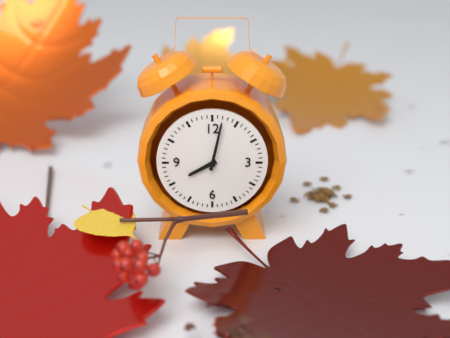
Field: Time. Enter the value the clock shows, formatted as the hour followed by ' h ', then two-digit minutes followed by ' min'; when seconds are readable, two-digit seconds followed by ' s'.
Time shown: 8 h 02 min
